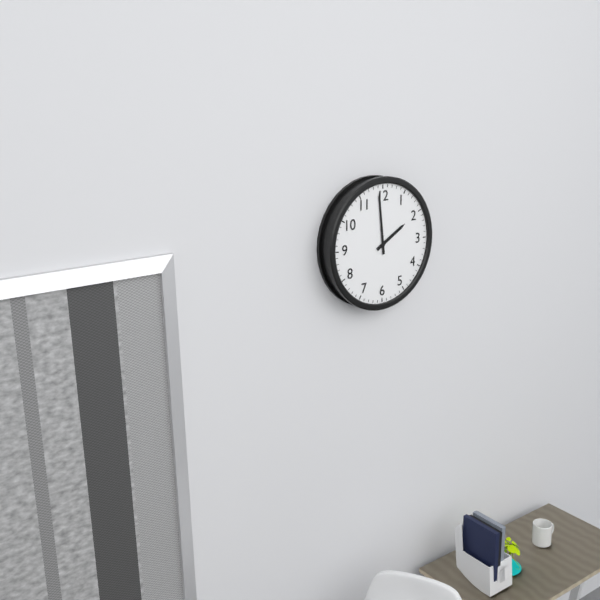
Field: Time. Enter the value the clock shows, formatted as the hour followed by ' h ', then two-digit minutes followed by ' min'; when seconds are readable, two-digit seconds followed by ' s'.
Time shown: 1 h 59 min
